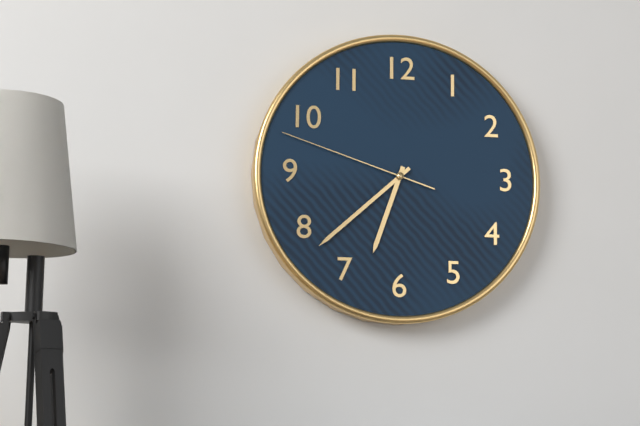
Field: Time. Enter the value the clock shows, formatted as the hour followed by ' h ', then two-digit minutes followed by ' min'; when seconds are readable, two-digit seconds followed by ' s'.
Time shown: 6 h 38 min 48 s
